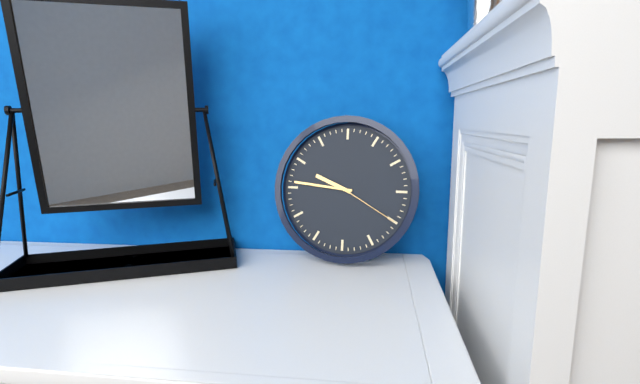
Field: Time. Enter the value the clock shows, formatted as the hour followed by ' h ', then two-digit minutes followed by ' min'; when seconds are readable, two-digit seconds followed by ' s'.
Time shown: 9 h 46 min 20 s
